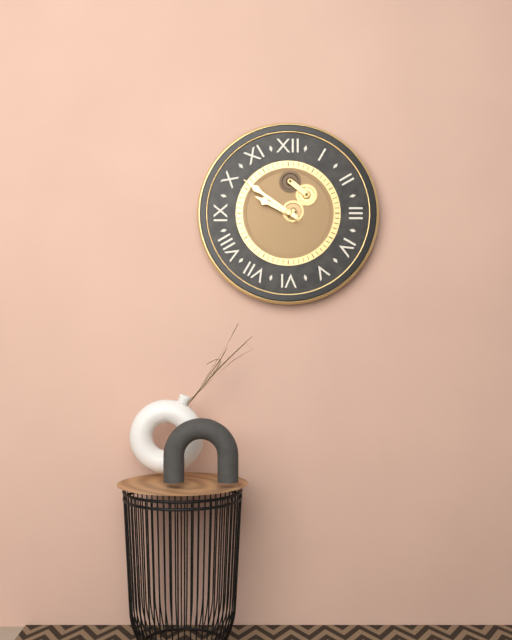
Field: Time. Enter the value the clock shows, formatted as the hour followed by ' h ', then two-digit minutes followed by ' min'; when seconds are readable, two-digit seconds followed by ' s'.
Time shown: 9 h 51 min
